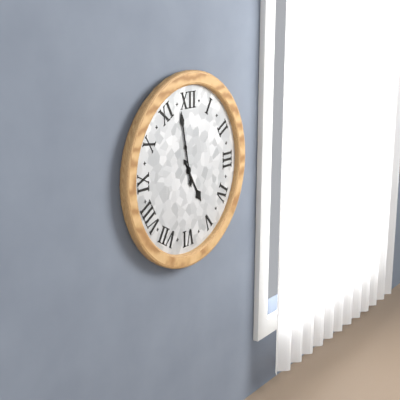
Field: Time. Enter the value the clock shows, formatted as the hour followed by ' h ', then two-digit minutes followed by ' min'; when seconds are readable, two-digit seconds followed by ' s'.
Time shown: 4 h 58 min
